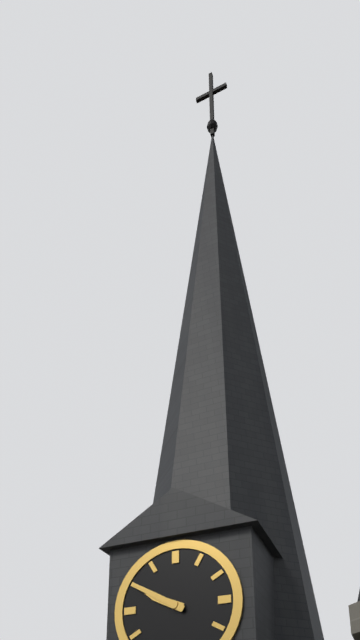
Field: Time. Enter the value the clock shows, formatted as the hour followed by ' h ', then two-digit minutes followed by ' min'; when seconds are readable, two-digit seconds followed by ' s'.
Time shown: 9 h 50 min
